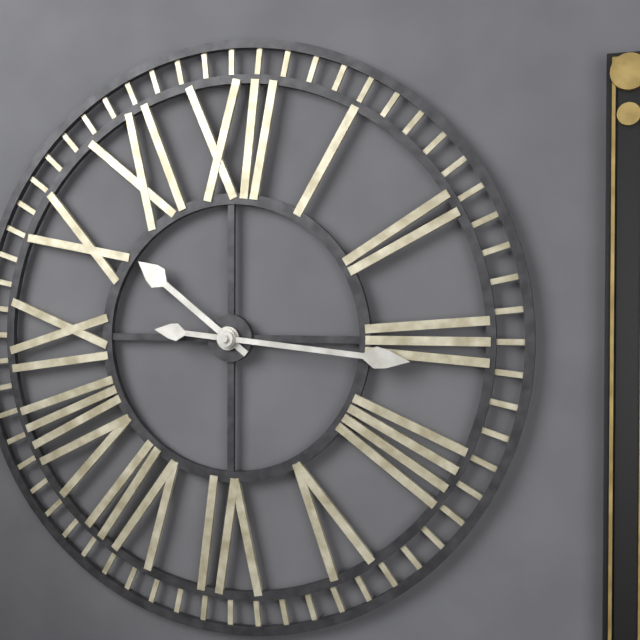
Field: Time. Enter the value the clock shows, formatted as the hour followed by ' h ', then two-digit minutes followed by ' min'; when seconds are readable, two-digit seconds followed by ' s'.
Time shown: 10 h 16 min
